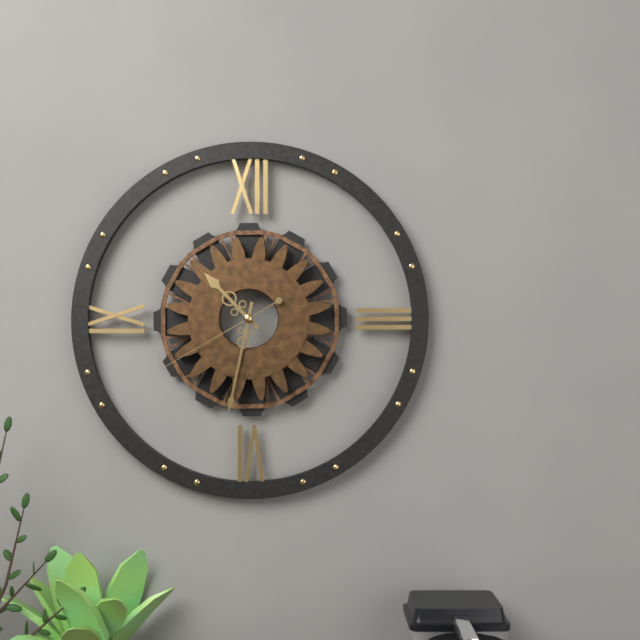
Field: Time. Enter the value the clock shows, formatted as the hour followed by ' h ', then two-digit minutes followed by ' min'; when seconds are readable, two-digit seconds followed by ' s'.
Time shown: 10 h 32 min 40 s
